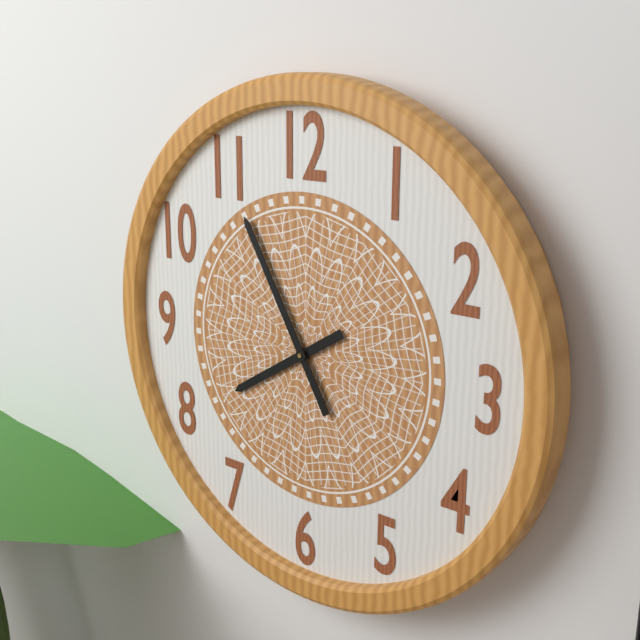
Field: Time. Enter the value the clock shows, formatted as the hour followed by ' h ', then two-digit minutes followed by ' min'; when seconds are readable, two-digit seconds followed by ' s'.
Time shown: 7 h 55 min
